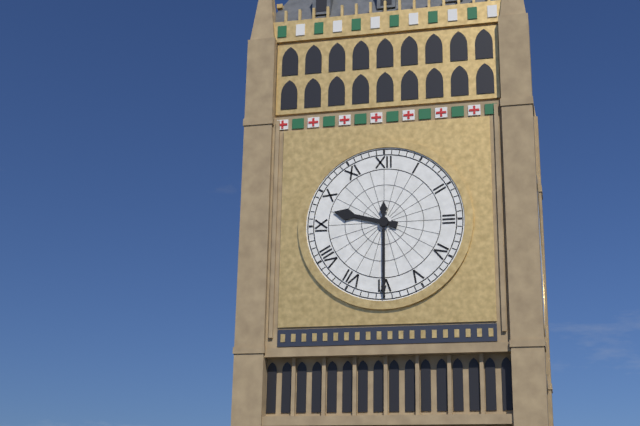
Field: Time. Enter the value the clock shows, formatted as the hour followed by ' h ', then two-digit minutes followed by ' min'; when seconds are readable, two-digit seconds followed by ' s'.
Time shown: 9 h 30 min
